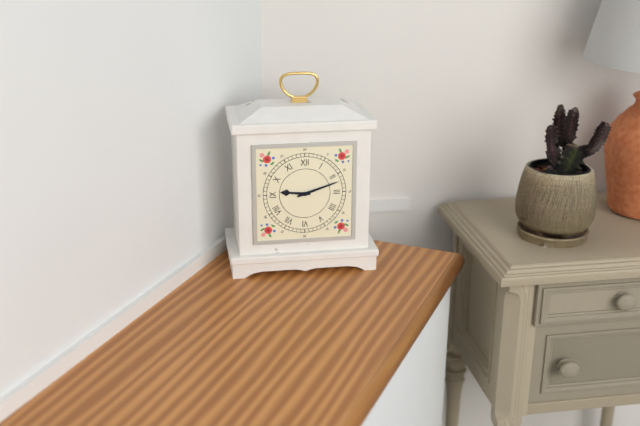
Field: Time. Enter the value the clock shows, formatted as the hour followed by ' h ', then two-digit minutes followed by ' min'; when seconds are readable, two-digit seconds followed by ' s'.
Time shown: 9 h 12 min
